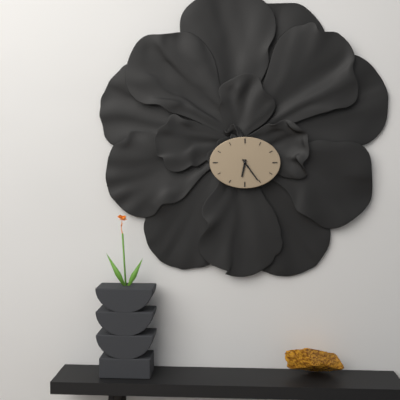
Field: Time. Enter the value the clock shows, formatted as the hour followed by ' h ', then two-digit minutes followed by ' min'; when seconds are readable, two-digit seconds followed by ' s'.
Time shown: 6 h 24 min
